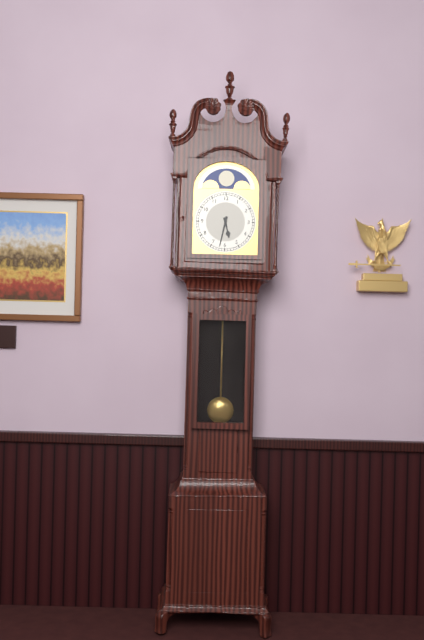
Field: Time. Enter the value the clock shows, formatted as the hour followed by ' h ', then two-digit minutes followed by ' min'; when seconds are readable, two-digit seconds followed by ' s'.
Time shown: 5 h 32 min
